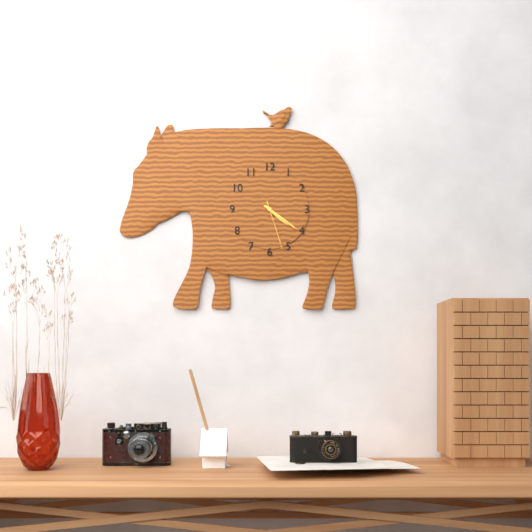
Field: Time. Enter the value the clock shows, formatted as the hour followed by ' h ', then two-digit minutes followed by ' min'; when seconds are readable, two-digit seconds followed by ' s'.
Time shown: 4 h 21 min 27 s
